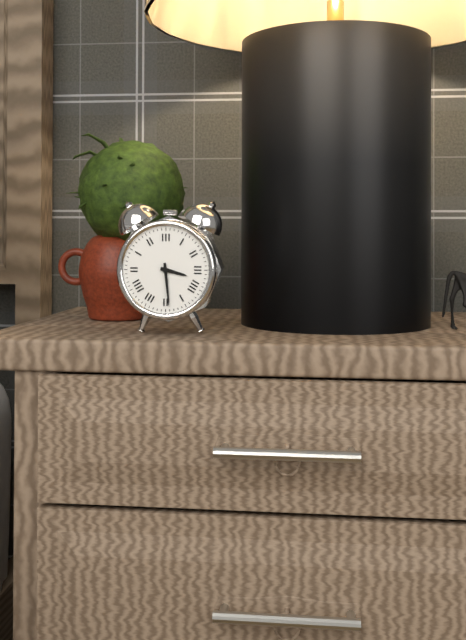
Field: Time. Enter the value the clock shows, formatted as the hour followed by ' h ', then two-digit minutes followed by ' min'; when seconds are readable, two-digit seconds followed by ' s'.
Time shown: 3 h 29 min
